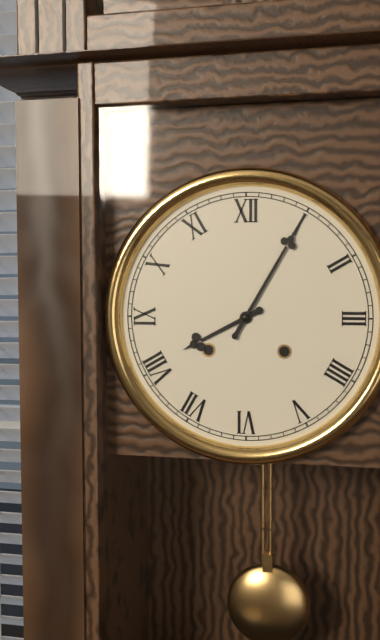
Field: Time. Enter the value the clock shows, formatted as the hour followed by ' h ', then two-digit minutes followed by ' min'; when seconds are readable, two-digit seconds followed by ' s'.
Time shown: 8 h 05 min
